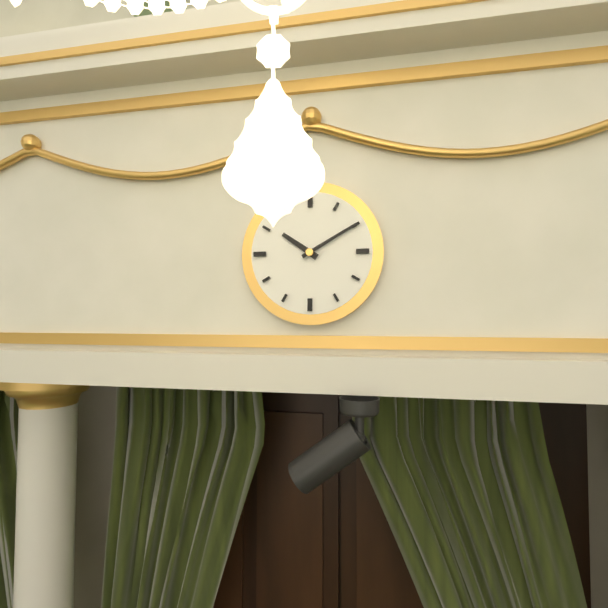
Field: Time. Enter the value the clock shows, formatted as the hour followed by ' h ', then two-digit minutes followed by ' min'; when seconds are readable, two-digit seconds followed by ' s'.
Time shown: 10 h 10 min
